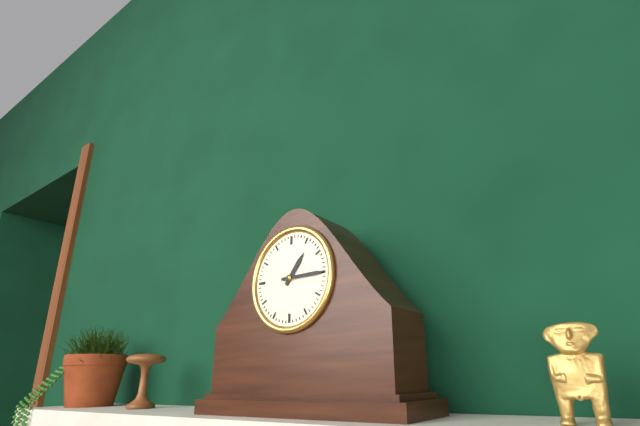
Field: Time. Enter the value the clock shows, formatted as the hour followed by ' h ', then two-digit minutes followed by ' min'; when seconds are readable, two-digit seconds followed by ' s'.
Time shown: 1 h 15 min
